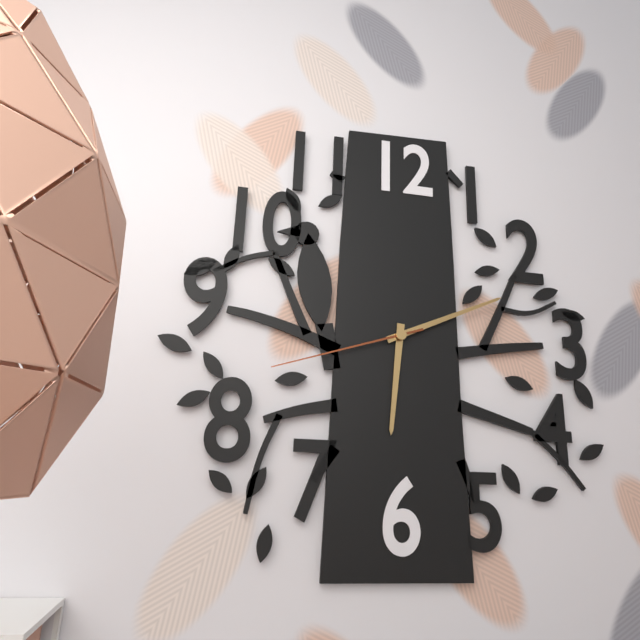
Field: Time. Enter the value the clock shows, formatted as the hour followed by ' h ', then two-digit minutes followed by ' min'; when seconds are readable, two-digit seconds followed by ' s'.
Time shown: 6 h 11 min 42 s
